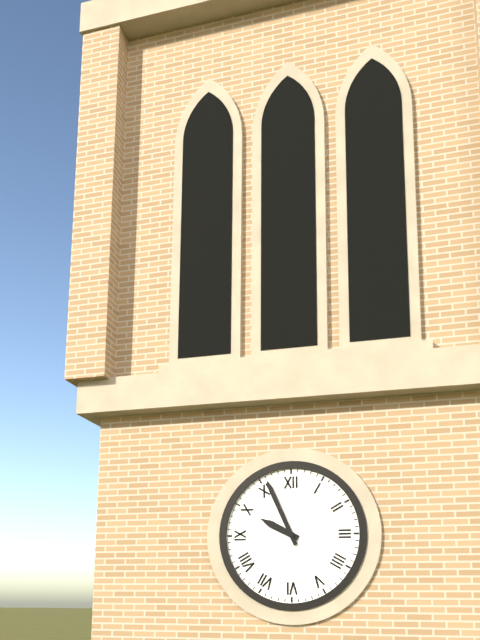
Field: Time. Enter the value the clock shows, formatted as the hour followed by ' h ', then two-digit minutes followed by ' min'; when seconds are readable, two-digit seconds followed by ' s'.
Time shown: 9 h 56 min
